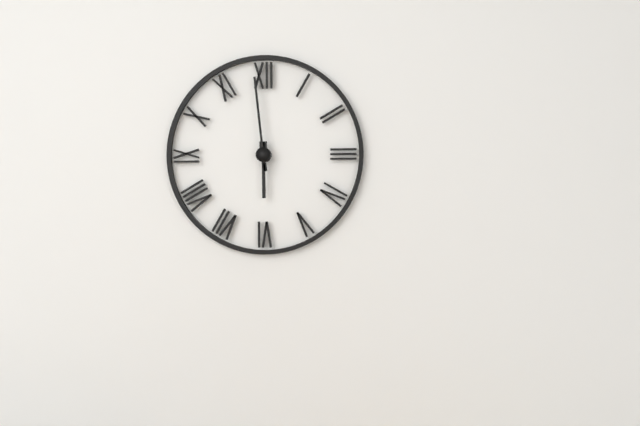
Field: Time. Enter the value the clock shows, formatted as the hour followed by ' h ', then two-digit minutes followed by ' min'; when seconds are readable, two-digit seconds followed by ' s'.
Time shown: 5 h 59 min
